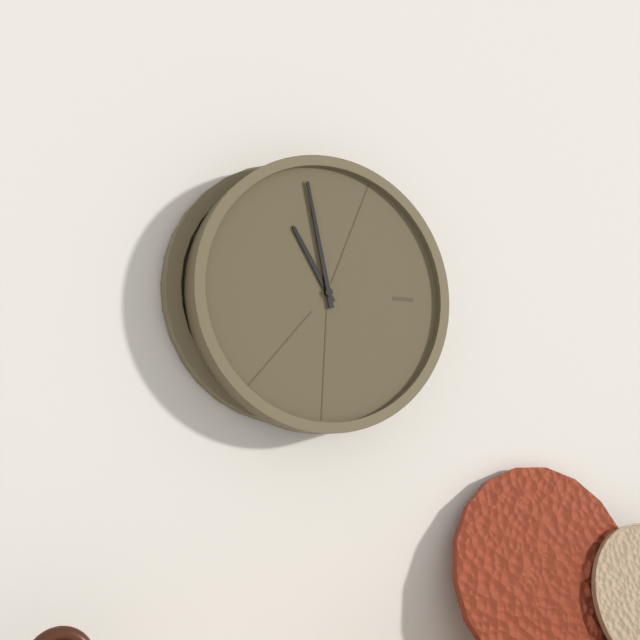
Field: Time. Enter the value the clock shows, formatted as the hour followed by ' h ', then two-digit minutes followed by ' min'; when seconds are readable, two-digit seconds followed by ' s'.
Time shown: 10 h 58 min
